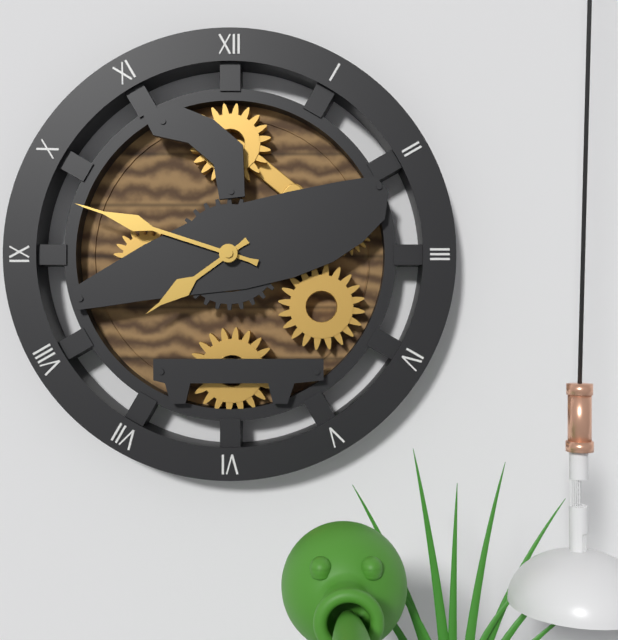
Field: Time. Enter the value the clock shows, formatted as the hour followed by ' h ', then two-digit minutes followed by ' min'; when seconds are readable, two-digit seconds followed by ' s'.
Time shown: 7 h 48 min
